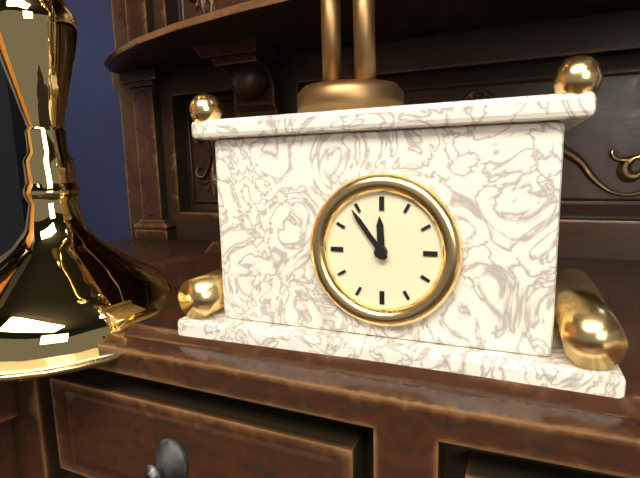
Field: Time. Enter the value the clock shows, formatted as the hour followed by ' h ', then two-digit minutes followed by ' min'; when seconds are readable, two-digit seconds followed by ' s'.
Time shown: 11 h 54 min
